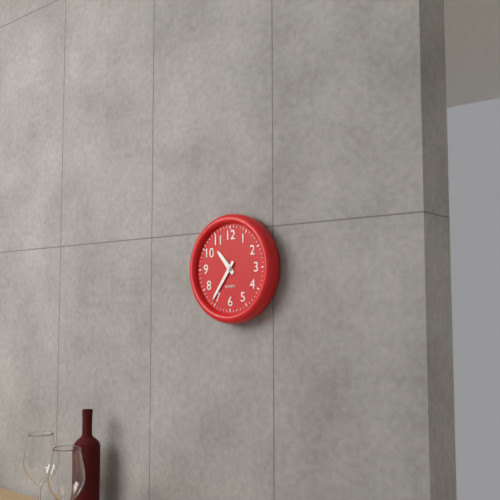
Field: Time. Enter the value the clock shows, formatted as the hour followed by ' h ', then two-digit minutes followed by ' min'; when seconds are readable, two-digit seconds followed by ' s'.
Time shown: 10 h 36 min
